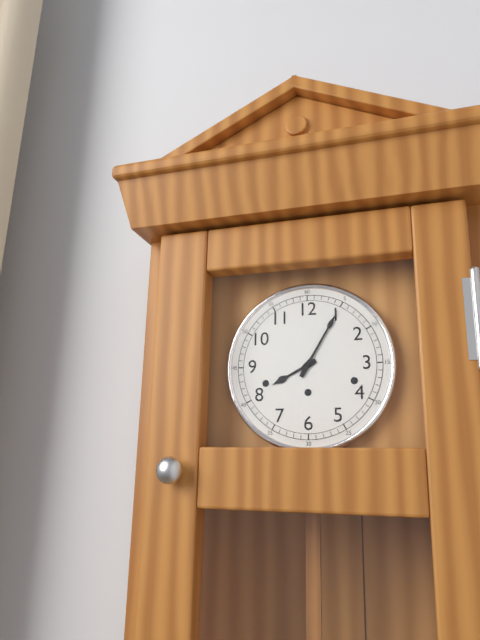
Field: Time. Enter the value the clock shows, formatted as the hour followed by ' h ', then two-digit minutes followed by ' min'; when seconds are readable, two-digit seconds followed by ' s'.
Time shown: 8 h 05 min
